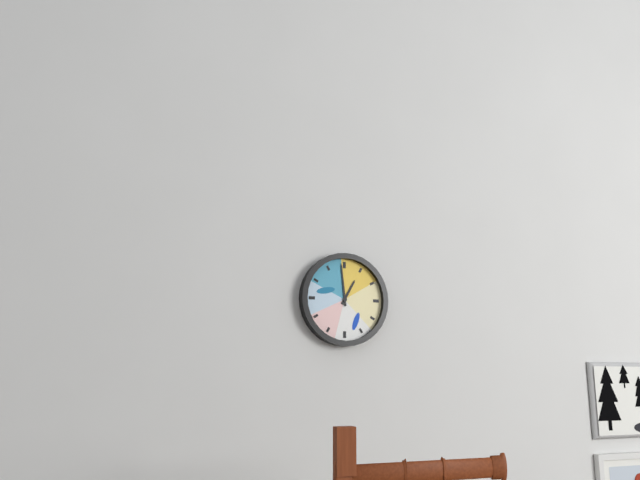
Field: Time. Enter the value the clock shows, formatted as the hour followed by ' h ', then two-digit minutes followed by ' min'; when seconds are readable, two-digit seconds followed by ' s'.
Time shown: 12 h 59 min
